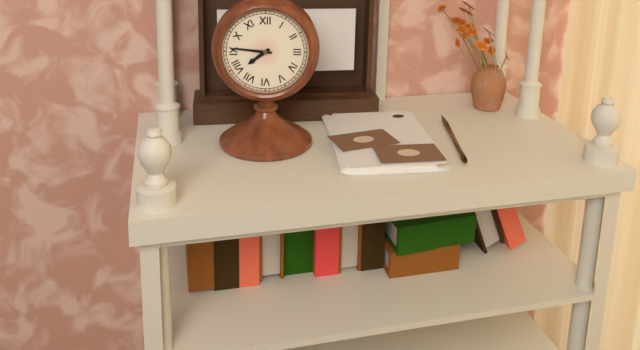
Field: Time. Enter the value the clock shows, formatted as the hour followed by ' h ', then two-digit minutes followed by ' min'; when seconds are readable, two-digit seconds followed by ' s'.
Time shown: 7 h 46 min
